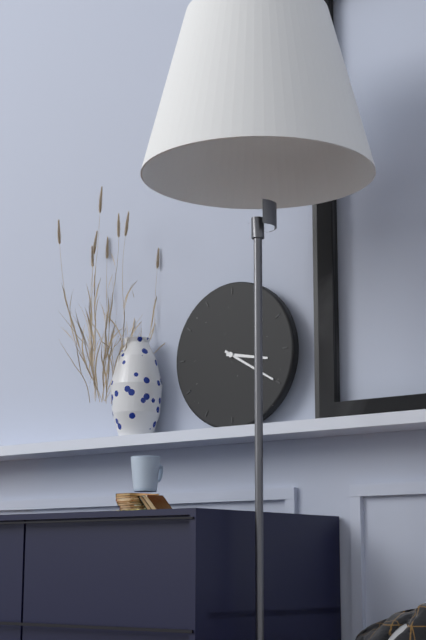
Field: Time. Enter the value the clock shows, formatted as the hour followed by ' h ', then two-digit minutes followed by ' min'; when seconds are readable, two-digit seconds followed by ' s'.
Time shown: 3 h 20 min
